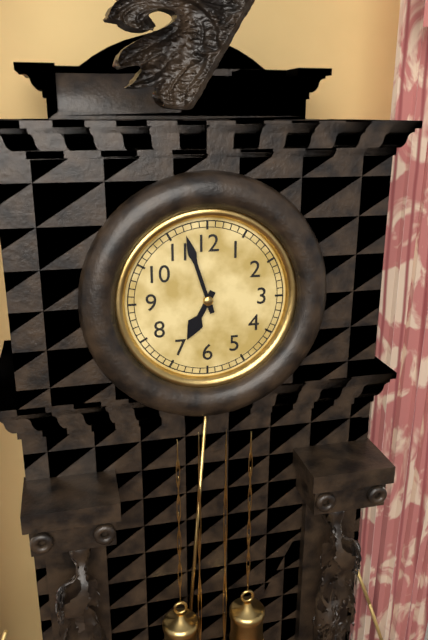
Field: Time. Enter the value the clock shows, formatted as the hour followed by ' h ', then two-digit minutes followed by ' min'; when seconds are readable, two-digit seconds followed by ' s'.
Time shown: 6 h 57 min
